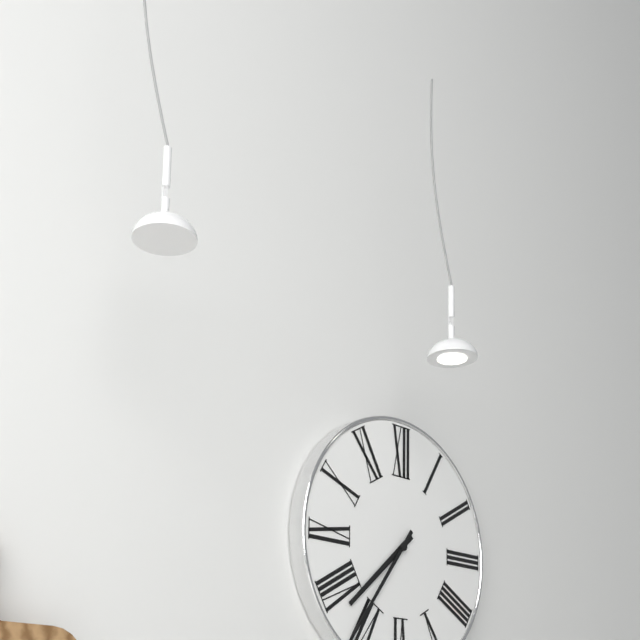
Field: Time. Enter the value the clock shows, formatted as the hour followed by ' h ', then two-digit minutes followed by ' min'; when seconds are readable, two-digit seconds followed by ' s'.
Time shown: 7 h 36 min
